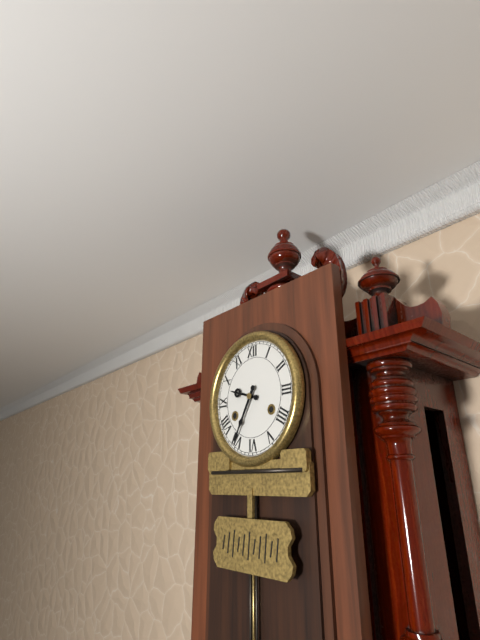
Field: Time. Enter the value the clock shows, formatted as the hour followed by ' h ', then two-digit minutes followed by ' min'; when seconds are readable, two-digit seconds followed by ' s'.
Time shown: 9 h 35 min
